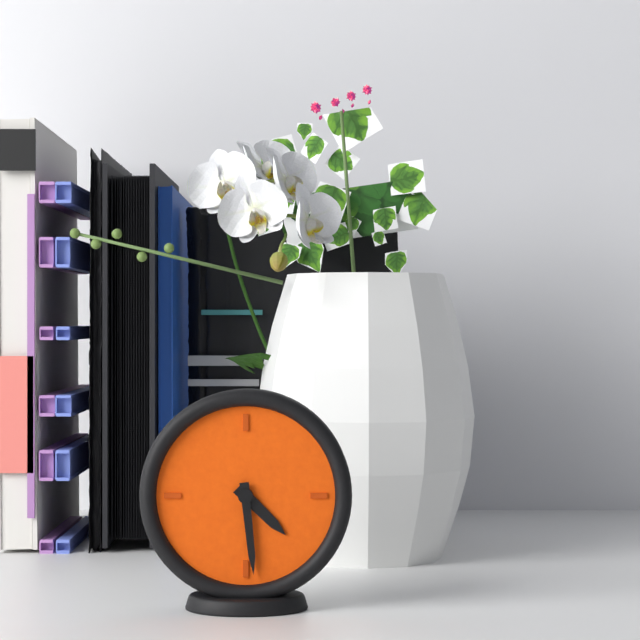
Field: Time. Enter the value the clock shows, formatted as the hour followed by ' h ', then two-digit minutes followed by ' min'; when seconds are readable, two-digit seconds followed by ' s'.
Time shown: 4 h 29 min
